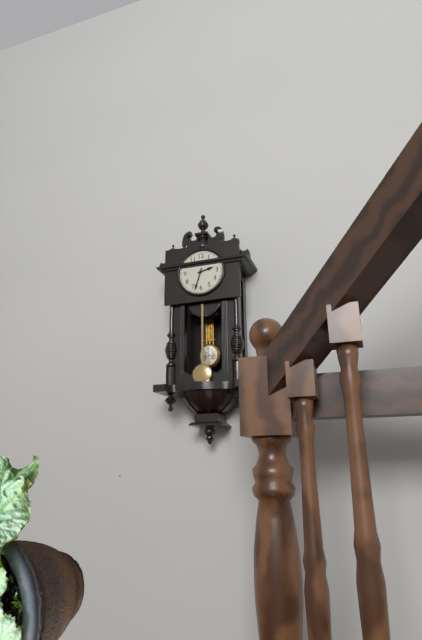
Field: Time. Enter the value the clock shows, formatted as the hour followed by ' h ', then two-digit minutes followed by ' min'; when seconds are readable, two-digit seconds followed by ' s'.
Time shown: 2 h 33 min
